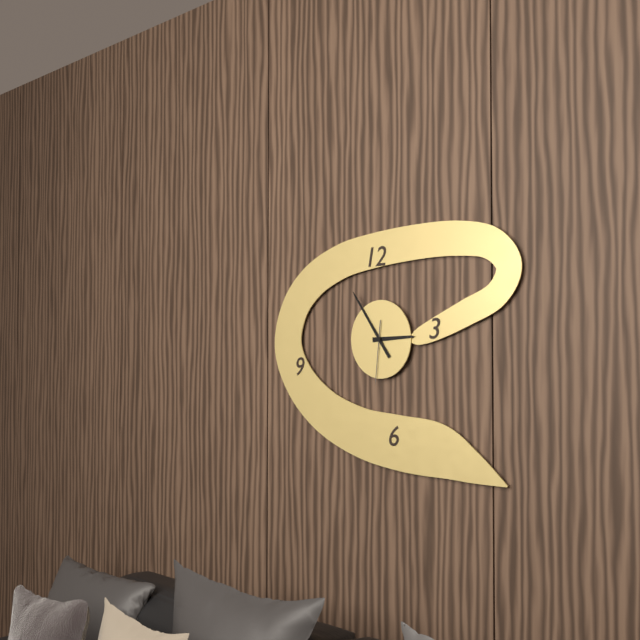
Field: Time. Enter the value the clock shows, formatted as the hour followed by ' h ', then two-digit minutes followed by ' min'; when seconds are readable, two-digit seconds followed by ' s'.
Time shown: 2 h 54 min 31 s
